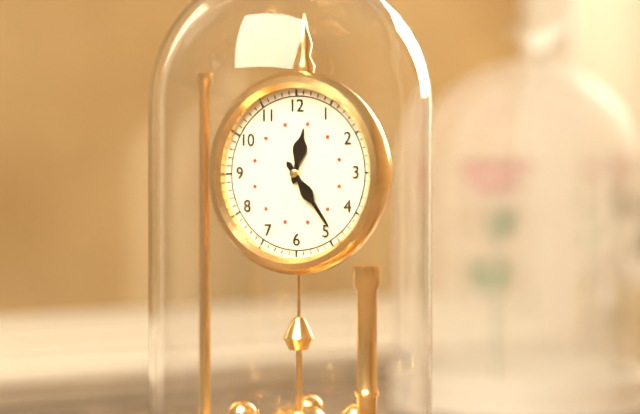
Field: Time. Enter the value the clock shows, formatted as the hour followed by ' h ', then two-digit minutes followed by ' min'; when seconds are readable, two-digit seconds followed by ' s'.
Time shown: 12 h 24 min
